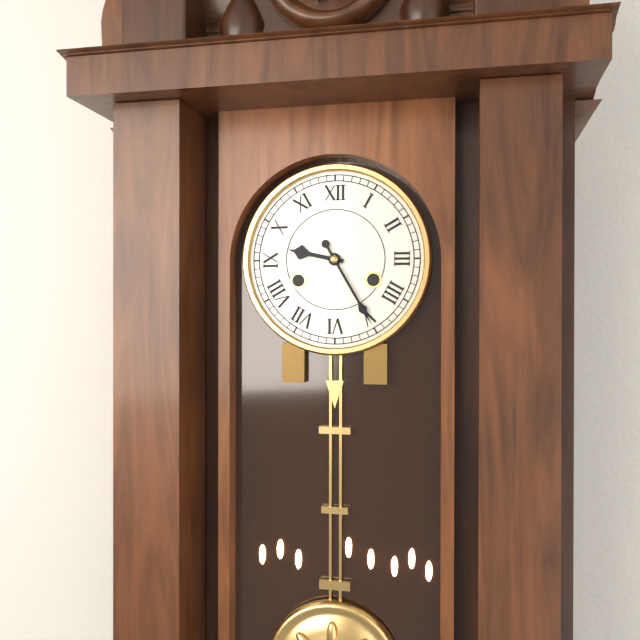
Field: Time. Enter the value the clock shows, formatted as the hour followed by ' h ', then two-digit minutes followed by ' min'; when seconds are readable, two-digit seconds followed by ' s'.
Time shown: 9 h 25 min
